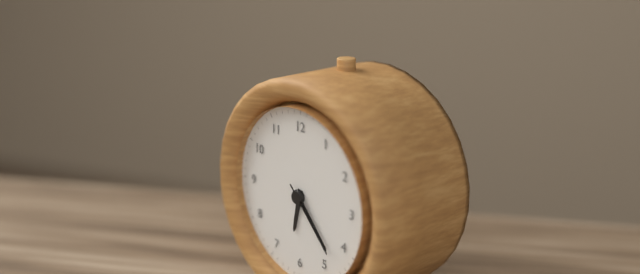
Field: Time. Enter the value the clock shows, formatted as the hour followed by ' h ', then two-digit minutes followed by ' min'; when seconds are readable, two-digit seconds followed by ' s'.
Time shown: 6 h 23 min 23 s
